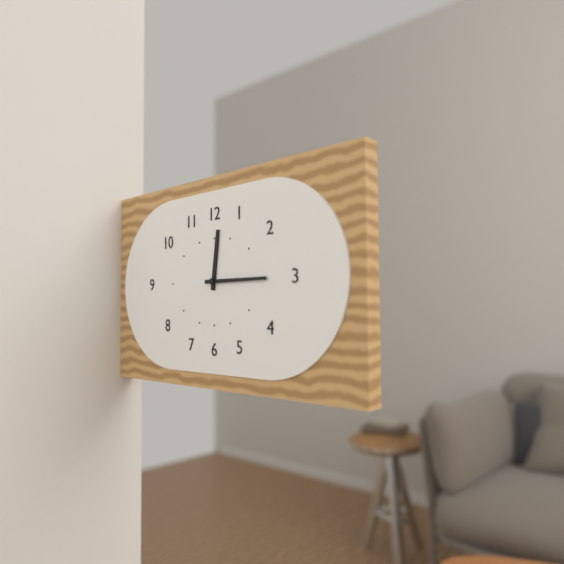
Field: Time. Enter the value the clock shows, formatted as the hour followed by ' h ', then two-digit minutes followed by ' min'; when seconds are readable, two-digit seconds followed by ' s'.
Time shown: 12 h 15 min
